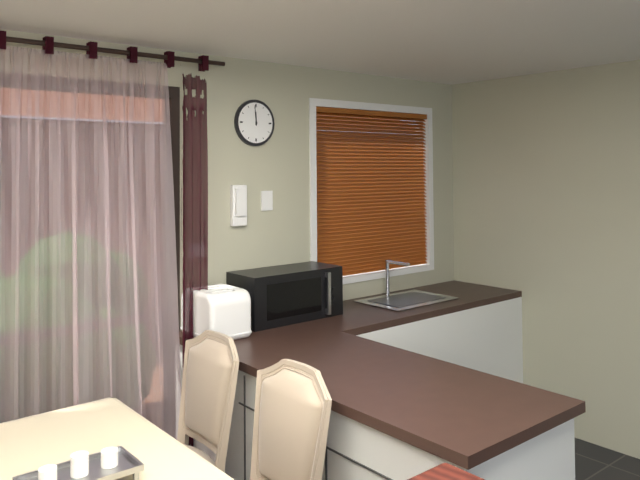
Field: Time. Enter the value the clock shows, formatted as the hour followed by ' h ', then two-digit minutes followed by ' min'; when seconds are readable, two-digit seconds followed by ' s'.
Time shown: 11 h 59 min
